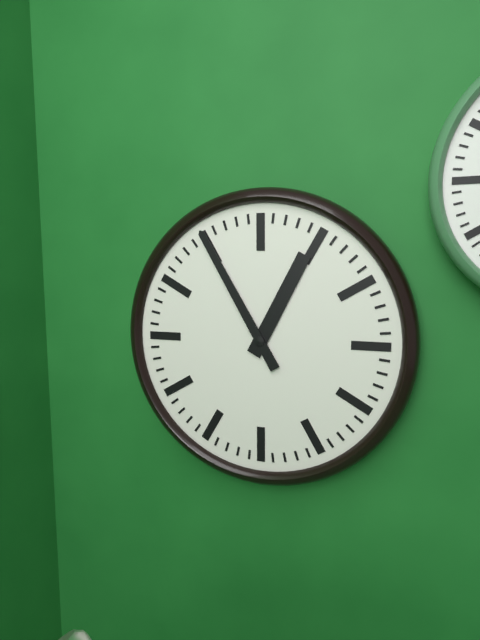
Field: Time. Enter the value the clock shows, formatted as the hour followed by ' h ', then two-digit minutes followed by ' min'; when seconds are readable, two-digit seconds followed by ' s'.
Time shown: 12 h 55 min
